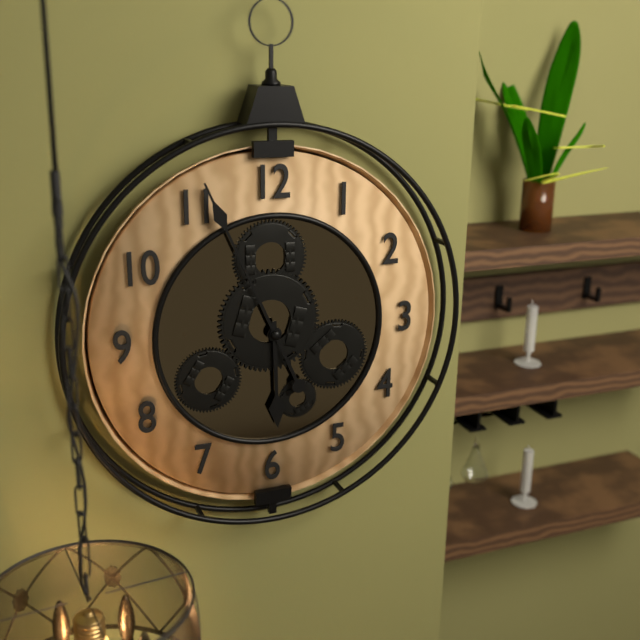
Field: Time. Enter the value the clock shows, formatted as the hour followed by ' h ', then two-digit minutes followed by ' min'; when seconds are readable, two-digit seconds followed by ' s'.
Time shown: 5 h 56 min
